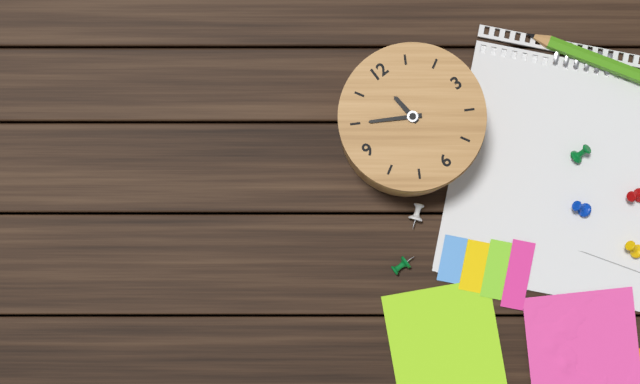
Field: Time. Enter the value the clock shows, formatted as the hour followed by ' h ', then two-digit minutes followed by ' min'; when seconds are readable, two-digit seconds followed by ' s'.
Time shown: 11 h 50 min
